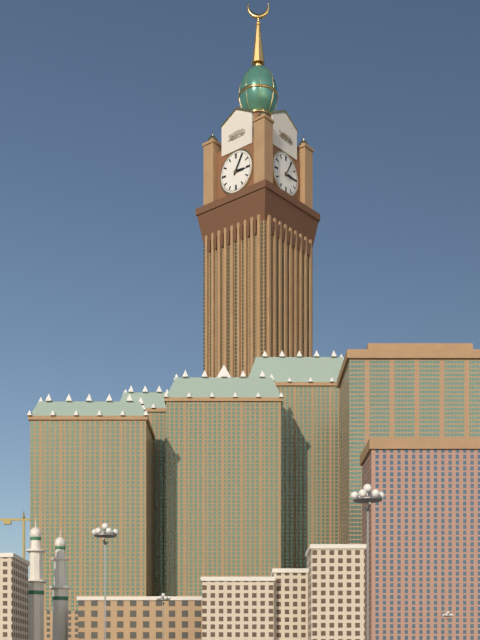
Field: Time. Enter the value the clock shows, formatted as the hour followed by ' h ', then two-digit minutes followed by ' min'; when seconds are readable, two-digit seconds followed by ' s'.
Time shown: 3 h 05 min
